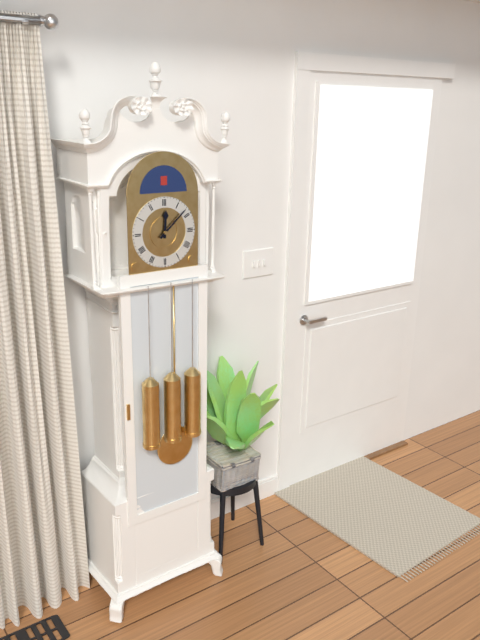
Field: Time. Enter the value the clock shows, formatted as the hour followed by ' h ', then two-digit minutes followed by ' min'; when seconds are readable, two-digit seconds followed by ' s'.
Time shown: 12 h 08 min
